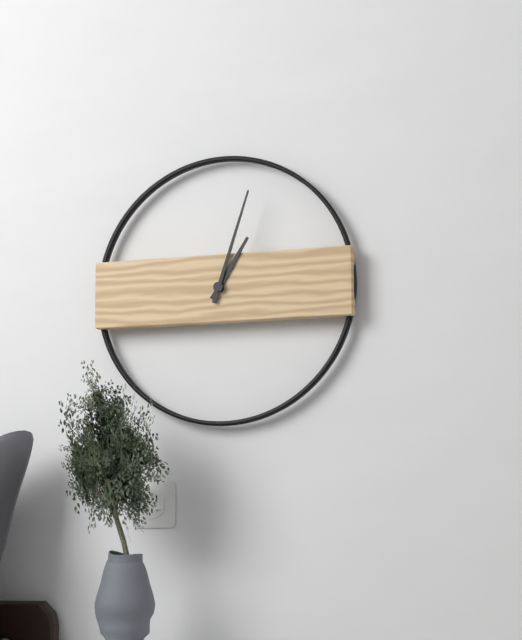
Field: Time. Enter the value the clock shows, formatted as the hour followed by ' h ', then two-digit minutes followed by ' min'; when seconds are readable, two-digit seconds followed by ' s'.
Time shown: 1 h 03 min
